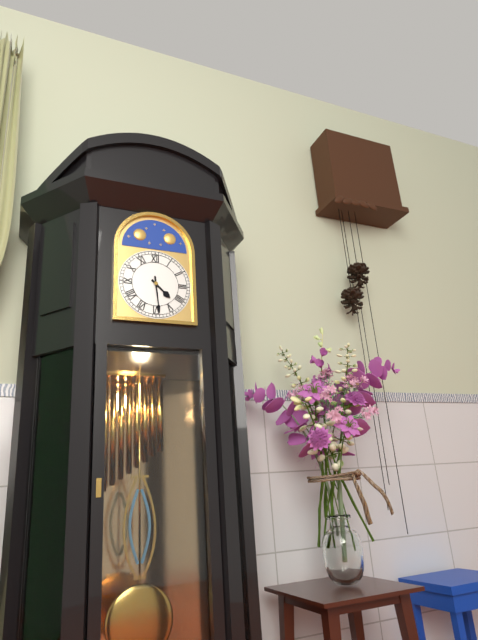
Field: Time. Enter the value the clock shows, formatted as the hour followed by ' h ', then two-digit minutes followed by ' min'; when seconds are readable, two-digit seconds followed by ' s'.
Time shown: 4 h 29 min
